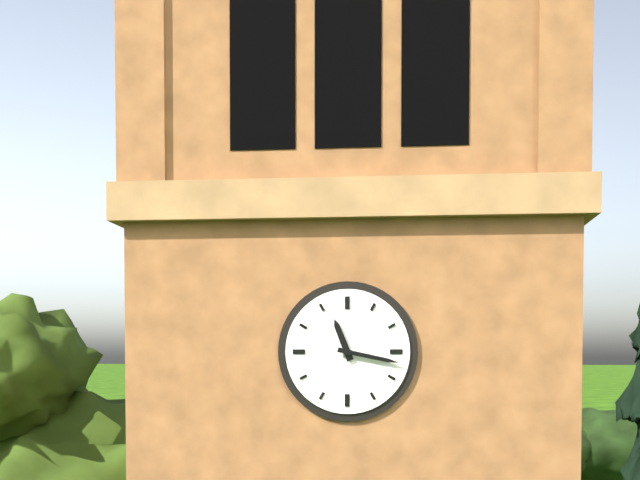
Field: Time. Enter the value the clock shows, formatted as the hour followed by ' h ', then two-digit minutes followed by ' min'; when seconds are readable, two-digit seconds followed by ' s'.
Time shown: 11 h 17 min
